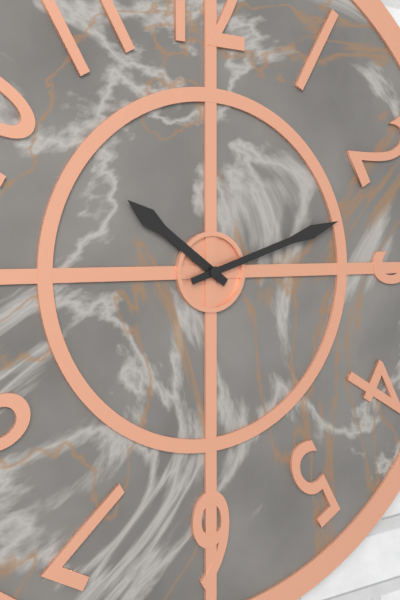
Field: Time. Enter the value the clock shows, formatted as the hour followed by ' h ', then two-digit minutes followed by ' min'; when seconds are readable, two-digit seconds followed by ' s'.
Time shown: 10 h 12 min
